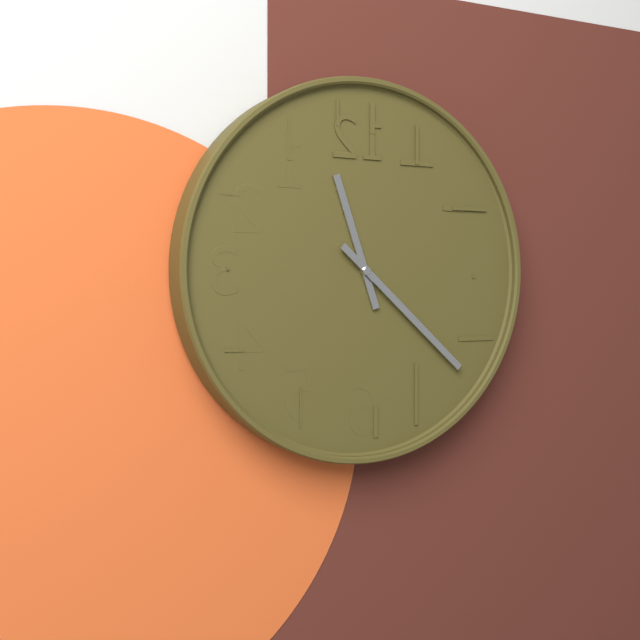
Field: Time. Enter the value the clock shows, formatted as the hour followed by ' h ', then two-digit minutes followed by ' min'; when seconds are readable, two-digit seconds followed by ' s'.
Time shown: 11 h 22 min
